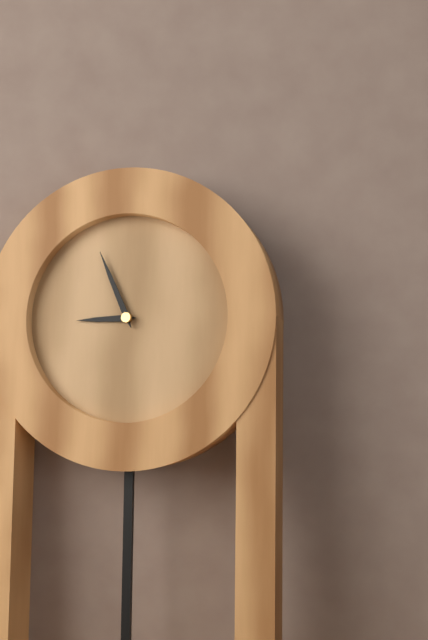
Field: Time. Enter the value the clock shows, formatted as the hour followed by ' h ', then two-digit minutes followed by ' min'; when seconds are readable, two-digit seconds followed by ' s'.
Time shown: 8 h 56 min
